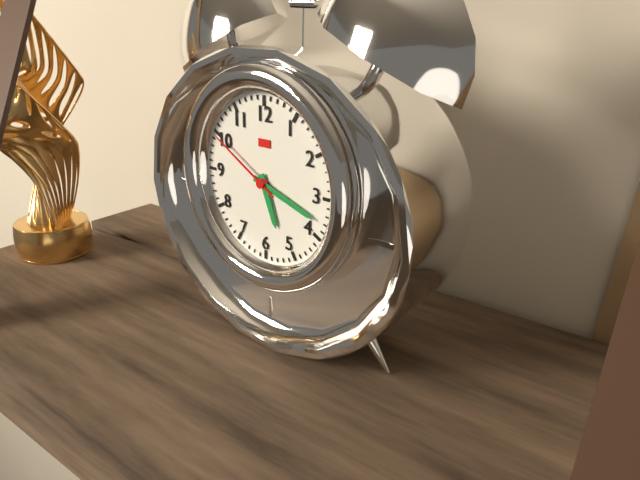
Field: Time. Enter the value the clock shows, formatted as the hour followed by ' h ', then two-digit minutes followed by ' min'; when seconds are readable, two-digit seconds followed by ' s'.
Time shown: 5 h 18 min 50 s
